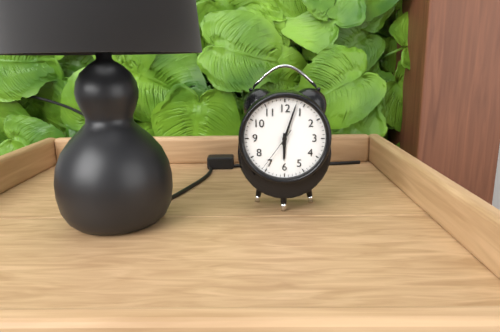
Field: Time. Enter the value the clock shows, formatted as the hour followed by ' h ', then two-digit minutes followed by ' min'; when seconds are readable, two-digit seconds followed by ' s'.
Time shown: 6 h 03 min
